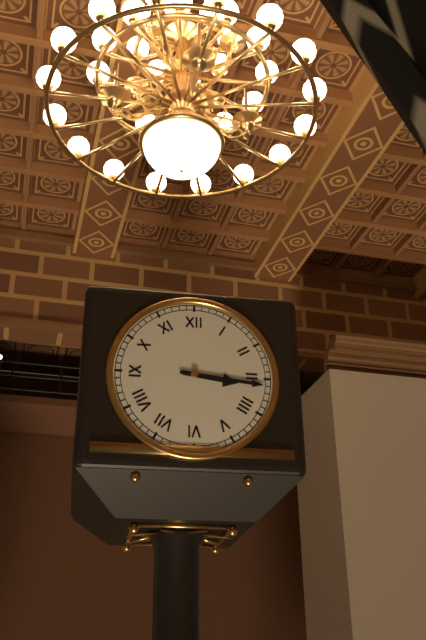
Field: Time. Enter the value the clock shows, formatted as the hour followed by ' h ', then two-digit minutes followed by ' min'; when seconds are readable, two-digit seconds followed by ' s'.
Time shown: 3 h 16 min
